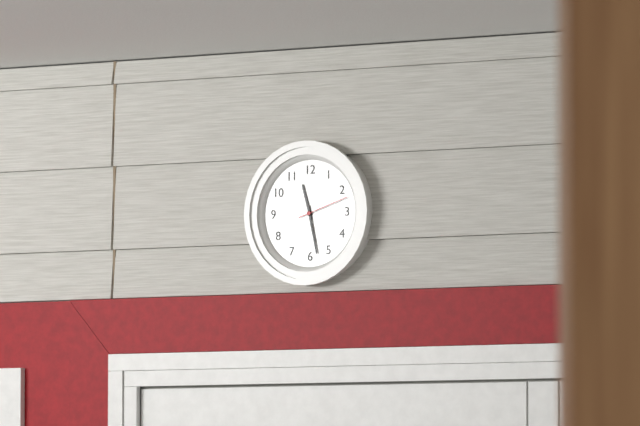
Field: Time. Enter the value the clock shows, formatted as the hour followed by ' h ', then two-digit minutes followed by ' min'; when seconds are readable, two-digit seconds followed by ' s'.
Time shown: 11 h 28 min 12 s
